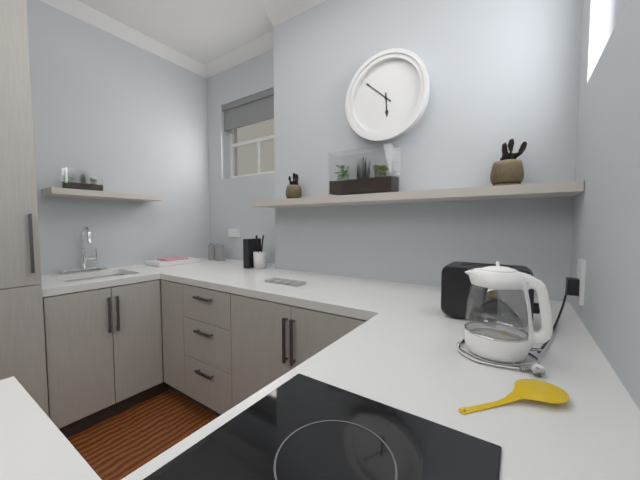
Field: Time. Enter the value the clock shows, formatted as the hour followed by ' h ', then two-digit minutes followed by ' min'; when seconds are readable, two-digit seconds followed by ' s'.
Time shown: 5 h 52 min
